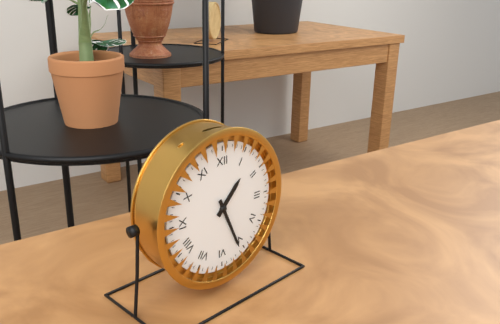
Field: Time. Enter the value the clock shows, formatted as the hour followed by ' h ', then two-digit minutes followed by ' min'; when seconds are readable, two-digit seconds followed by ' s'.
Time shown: 1 h 26 min
